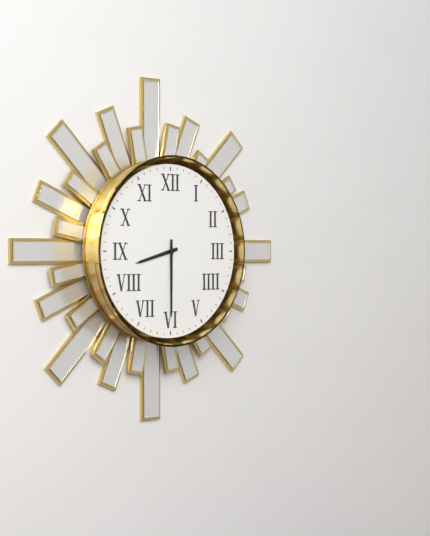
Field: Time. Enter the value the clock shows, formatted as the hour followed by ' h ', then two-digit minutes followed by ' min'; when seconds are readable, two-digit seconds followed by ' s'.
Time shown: 8 h 30 min
